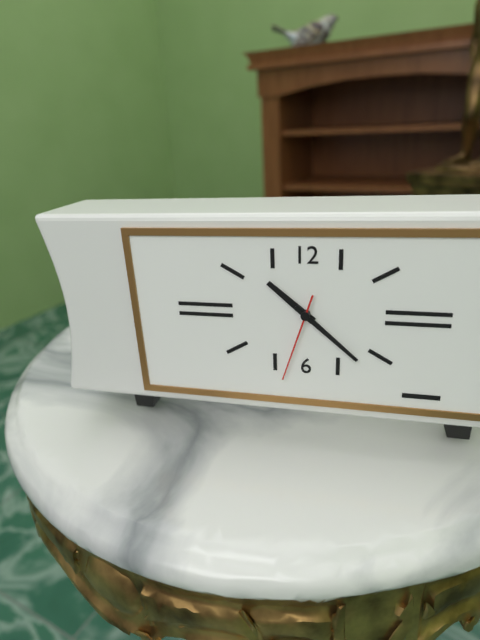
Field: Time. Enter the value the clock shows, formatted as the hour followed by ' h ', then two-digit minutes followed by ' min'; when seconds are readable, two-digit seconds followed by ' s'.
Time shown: 10 h 22 min 33 s
